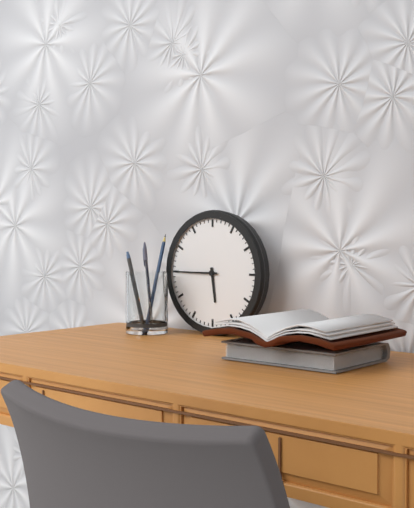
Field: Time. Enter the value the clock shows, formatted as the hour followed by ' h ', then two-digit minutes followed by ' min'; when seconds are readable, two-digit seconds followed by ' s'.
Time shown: 5 h 45 min
